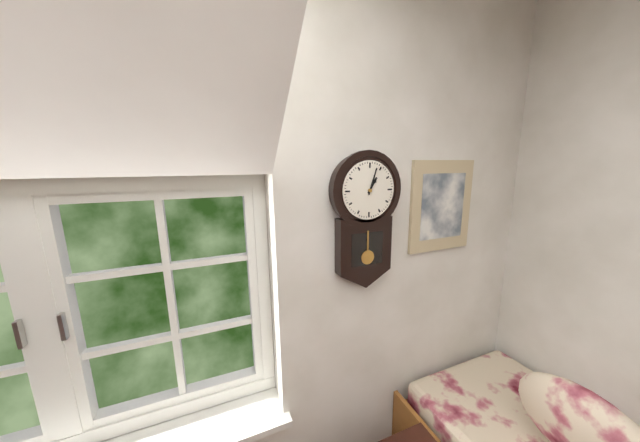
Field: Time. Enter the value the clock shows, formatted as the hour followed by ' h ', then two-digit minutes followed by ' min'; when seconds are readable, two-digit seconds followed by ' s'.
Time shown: 1 h 03 min
